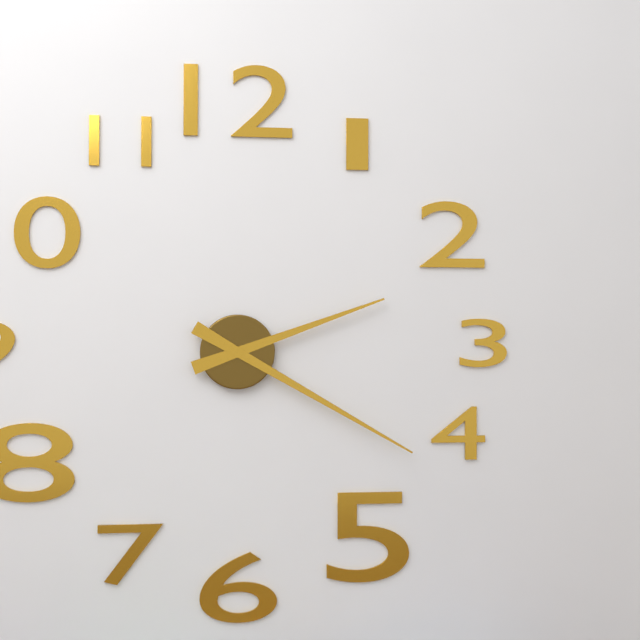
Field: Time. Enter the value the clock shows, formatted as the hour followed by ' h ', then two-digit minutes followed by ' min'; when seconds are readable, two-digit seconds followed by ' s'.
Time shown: 2 h 20 min
